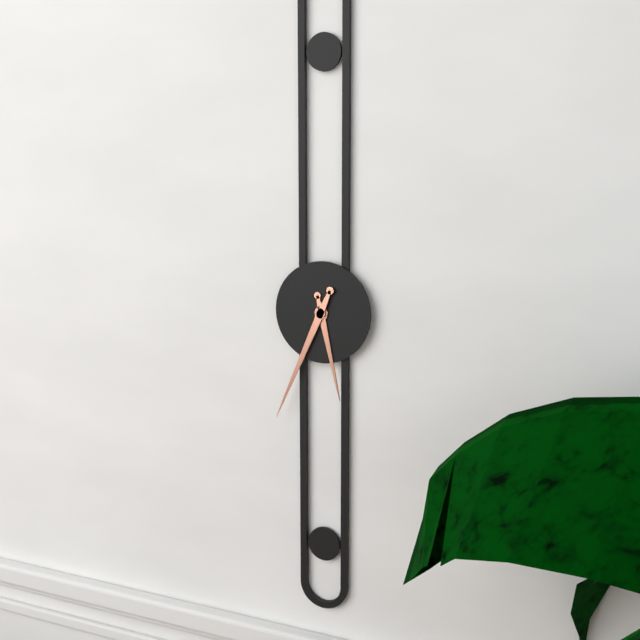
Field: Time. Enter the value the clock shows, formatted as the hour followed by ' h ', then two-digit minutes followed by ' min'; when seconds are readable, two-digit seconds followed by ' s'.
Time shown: 5 h 34 min
